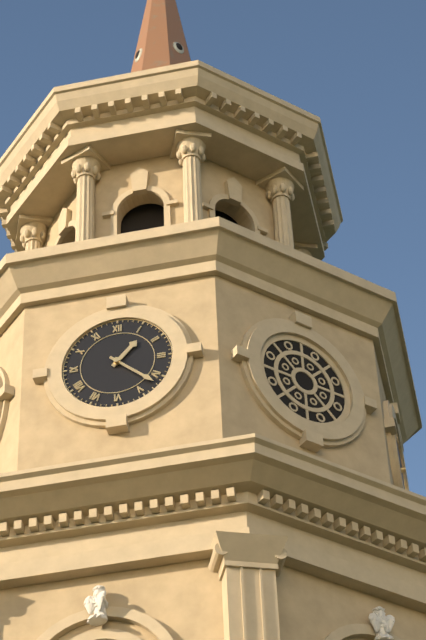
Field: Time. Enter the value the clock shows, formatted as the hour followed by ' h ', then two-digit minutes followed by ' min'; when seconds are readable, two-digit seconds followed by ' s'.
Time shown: 1 h 22 min
